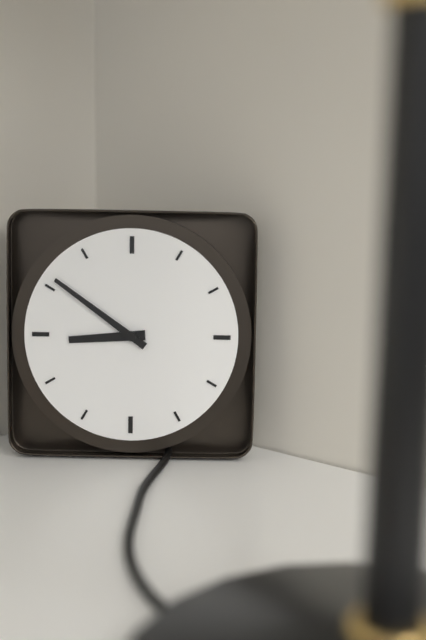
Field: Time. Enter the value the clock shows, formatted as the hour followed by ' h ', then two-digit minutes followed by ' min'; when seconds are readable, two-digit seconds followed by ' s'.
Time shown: 8 h 51 min
